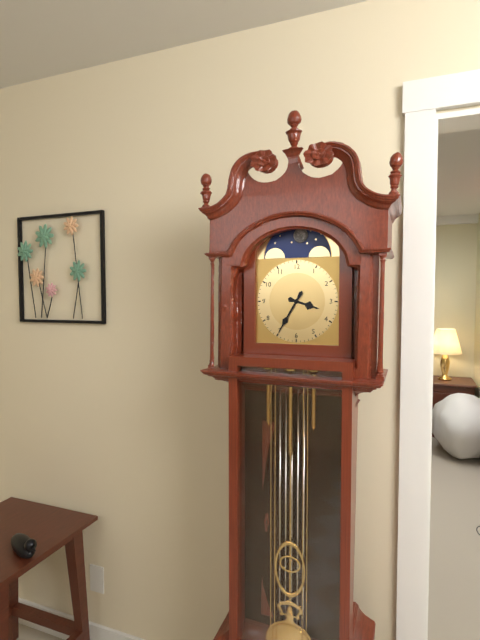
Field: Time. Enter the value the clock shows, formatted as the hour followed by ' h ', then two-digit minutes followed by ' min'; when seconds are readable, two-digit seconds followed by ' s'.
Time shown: 3 h 35 min
